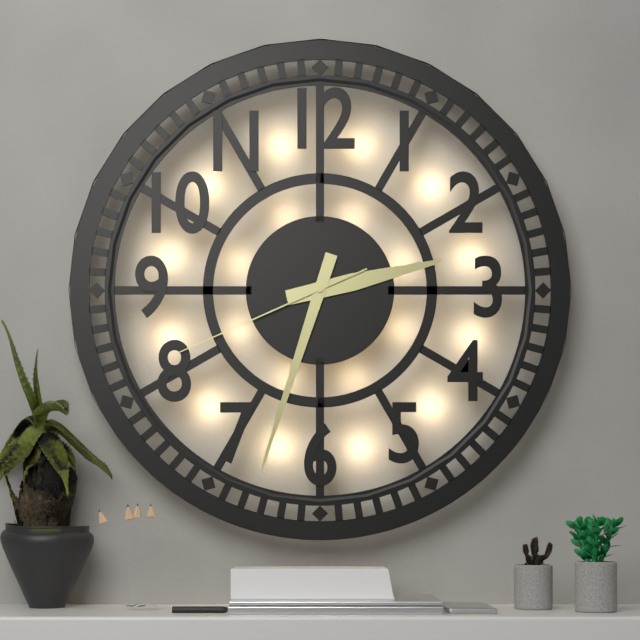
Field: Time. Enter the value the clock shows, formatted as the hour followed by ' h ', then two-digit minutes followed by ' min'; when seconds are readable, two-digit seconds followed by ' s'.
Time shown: 2 h 33 min 41 s
